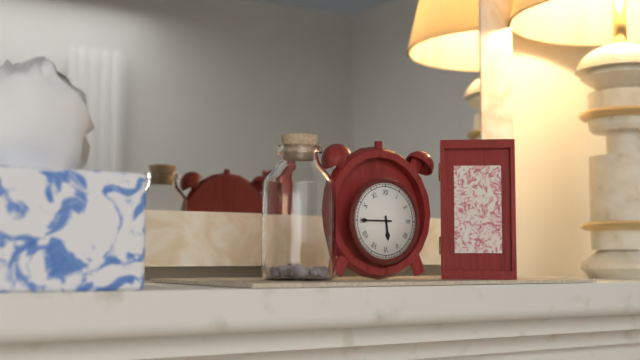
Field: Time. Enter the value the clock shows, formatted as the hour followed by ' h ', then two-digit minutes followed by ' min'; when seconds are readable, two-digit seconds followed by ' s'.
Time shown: 5 h 45 min
